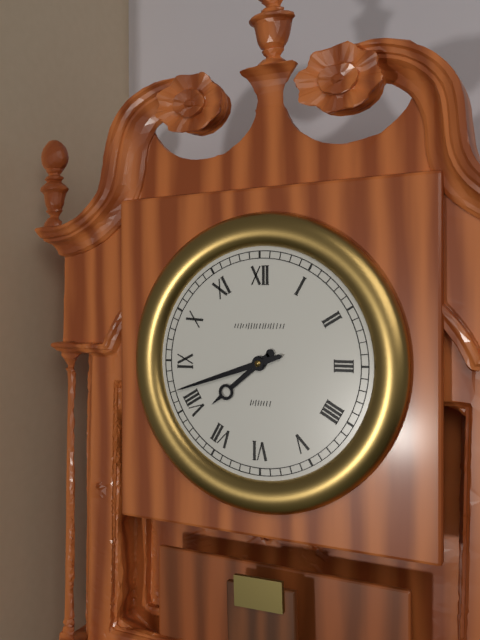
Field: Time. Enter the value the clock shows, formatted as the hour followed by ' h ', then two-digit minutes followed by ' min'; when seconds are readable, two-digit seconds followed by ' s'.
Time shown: 7 h 42 min
